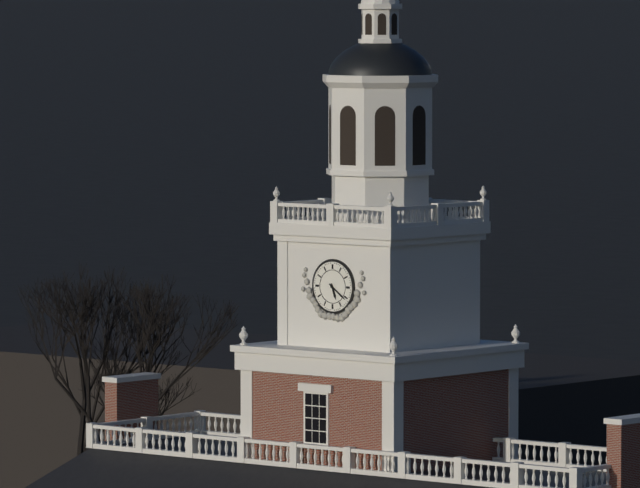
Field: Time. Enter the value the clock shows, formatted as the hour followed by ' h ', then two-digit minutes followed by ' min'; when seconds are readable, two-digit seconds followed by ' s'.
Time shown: 5 h 21 min
